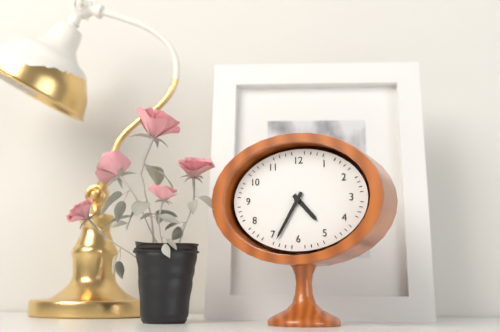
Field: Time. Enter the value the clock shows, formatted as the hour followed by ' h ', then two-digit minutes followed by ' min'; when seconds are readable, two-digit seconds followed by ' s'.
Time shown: 4 h 35 min
